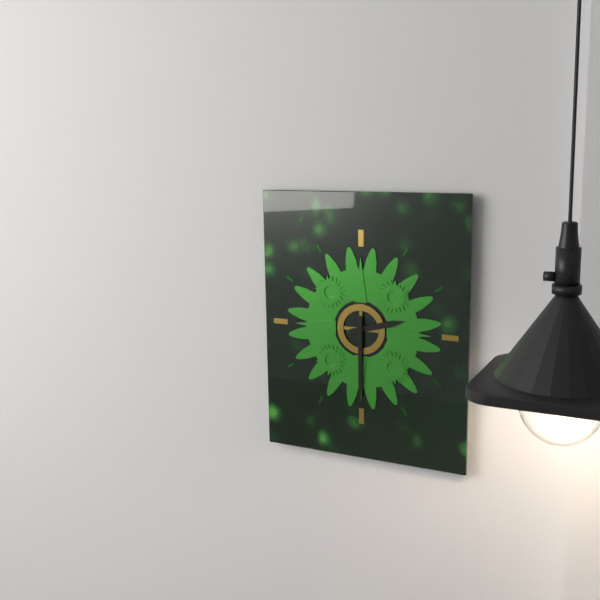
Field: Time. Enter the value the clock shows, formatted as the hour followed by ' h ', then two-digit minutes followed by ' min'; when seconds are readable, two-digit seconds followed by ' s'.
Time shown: 2 h 30 min
